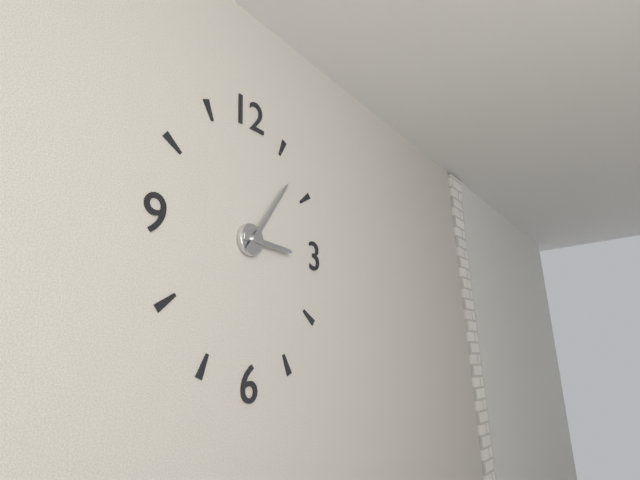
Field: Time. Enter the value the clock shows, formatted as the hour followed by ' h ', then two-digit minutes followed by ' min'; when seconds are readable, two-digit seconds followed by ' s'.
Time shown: 3 h 06 min
